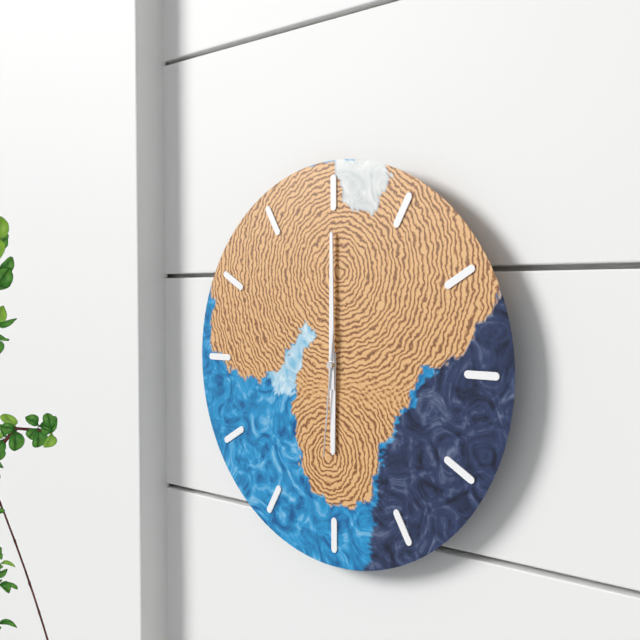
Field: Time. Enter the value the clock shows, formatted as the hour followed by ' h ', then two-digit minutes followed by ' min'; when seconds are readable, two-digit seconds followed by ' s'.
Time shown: 6 h 00 min 31 s
